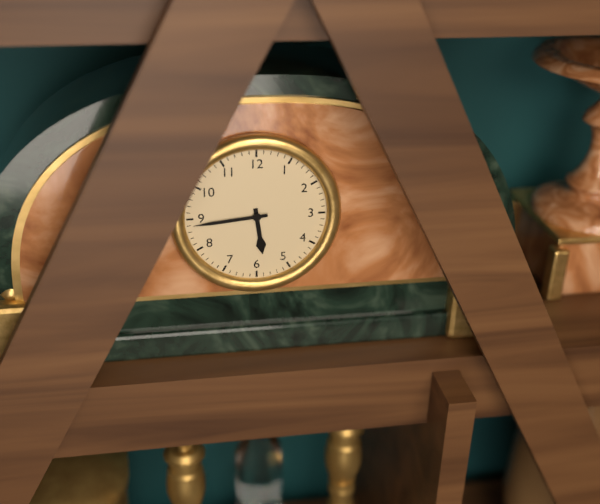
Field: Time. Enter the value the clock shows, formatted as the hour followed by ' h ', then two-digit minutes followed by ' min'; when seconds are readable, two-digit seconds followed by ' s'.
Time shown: 5 h 44 min
